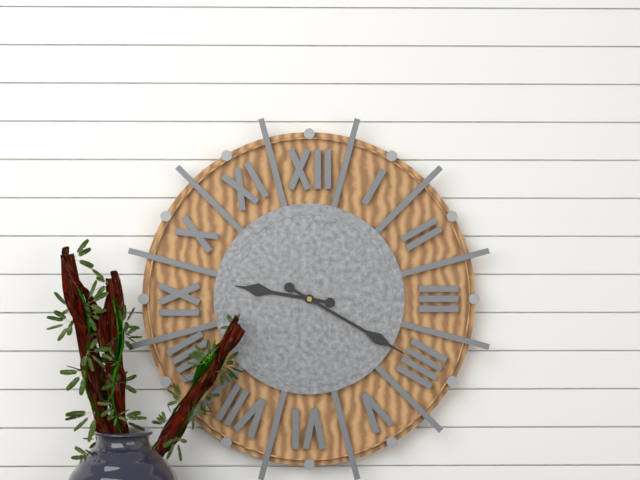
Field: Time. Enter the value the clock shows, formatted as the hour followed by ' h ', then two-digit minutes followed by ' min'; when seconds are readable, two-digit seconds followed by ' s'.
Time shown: 9 h 20 min
